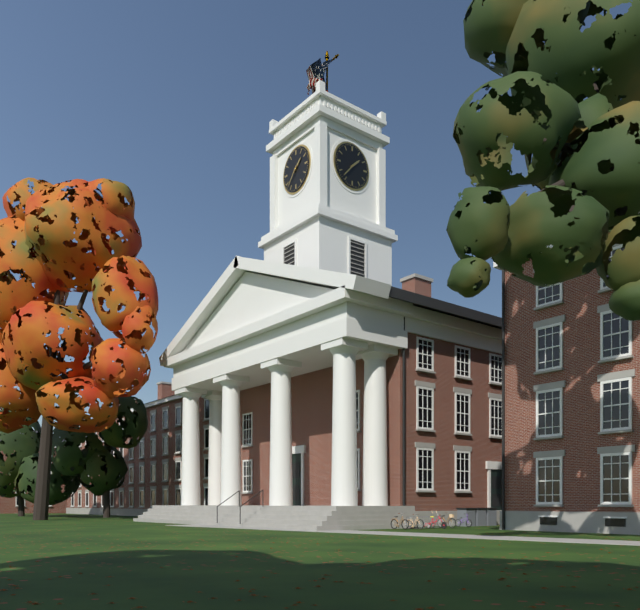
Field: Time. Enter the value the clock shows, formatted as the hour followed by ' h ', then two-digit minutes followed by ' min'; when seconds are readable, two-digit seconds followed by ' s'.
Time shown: 1 h 37 min
